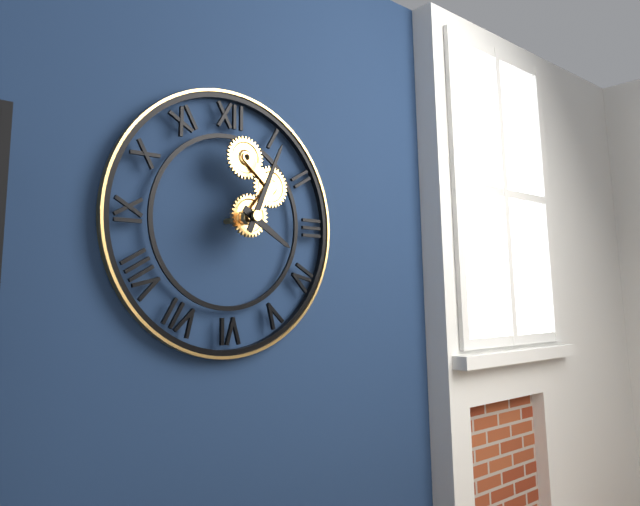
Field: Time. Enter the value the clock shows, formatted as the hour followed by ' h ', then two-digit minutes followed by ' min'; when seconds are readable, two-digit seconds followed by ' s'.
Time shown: 4 h 04 min
